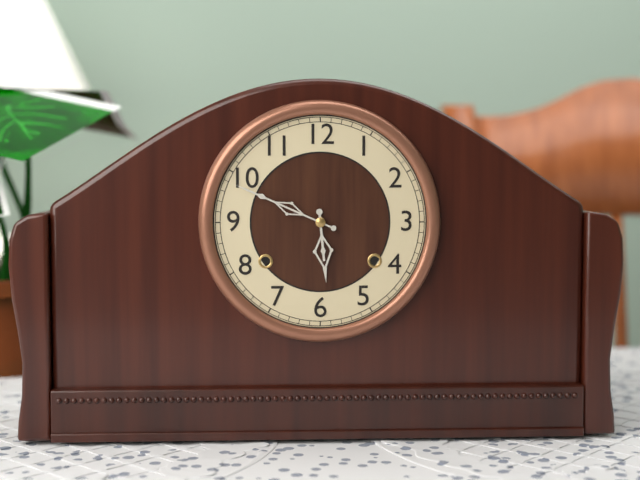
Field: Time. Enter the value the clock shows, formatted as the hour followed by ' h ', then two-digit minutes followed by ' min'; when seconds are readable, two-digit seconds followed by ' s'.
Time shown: 5 h 49 min
